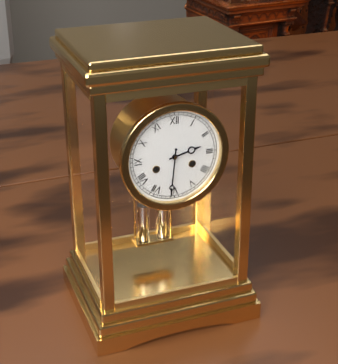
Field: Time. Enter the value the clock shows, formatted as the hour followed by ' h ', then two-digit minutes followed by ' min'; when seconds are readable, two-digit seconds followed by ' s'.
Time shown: 2 h 31 min
